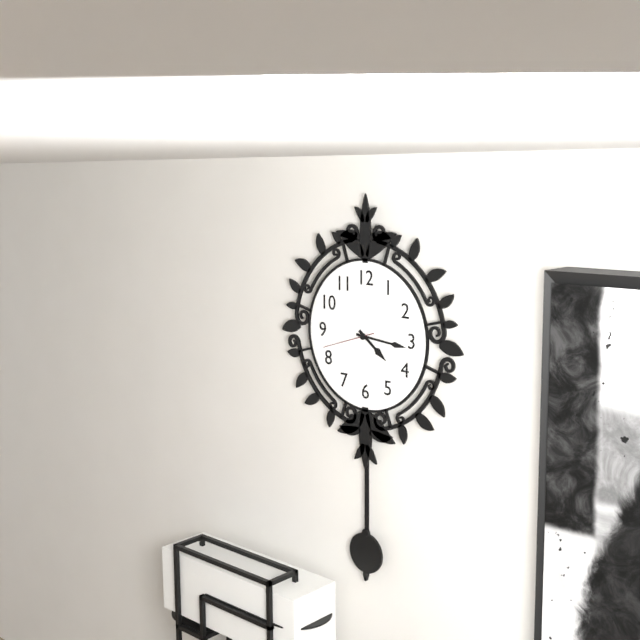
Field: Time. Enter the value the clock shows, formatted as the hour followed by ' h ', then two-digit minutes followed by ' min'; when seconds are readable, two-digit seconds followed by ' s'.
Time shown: 4 h 16 min 42 s
